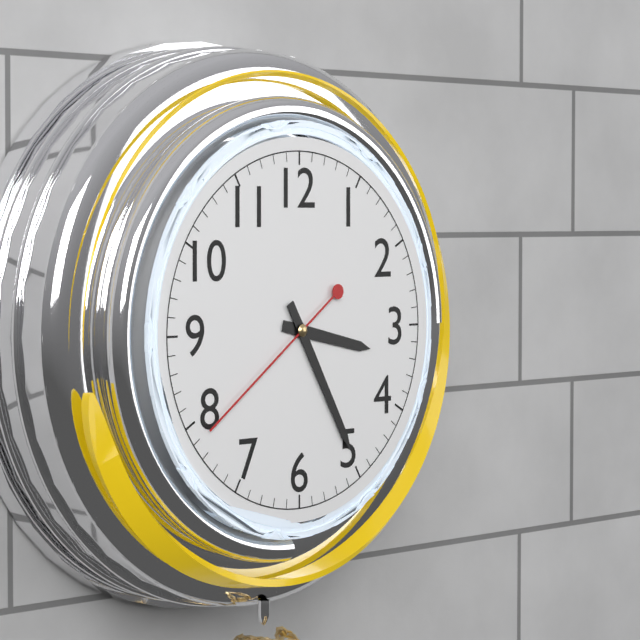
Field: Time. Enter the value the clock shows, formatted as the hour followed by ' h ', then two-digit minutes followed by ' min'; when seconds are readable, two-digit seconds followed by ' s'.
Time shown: 3 h 25 min 39 s
